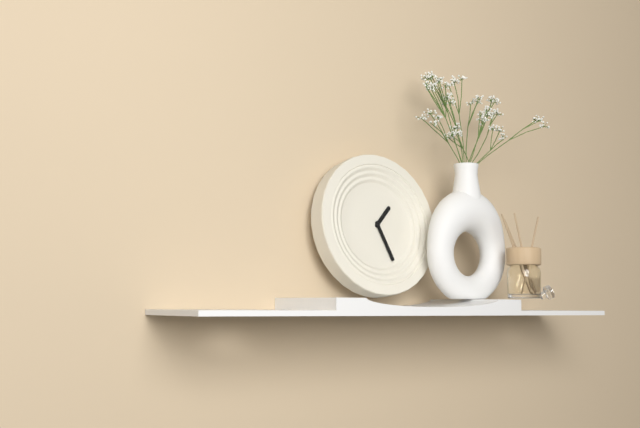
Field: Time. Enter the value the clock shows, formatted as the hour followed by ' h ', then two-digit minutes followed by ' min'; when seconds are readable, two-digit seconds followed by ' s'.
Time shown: 1 h 26 min
